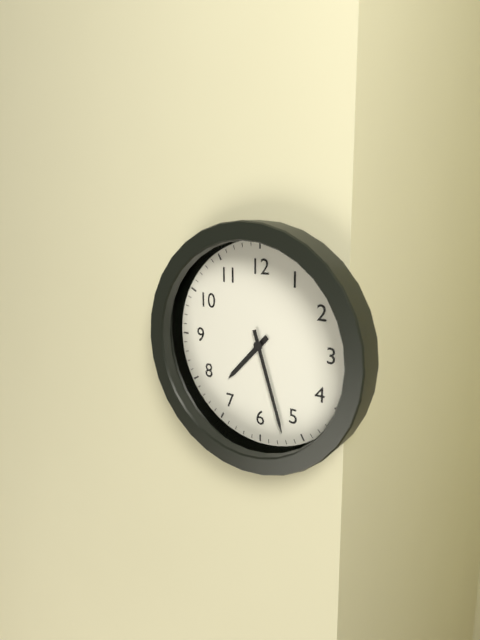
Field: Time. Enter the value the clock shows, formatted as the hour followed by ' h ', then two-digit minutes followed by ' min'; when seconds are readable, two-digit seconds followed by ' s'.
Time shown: 7 h 27 min
